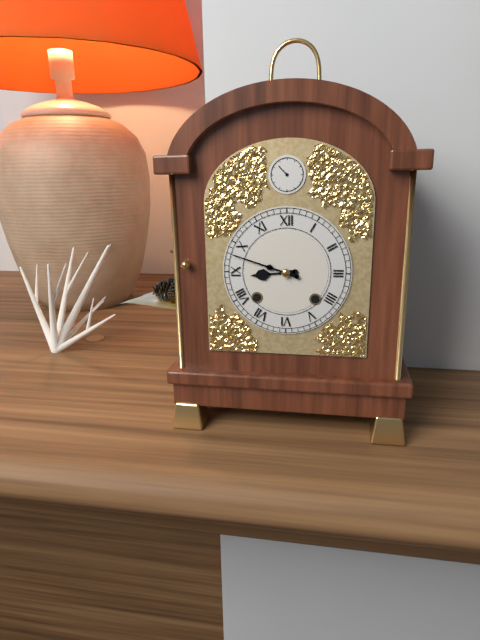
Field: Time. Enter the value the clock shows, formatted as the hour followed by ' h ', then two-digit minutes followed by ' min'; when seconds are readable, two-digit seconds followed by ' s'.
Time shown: 8 h 48 min
